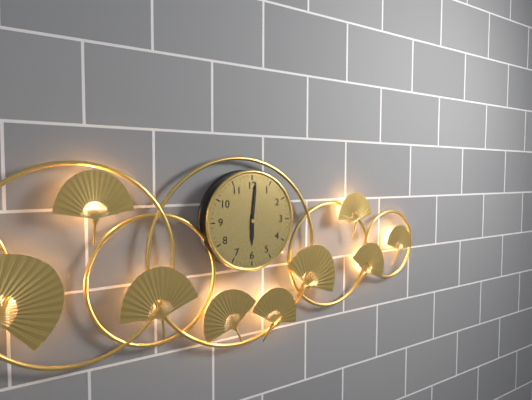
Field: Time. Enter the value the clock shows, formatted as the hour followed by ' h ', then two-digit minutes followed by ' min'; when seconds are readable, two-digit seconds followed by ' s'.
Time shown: 6 h 01 min
